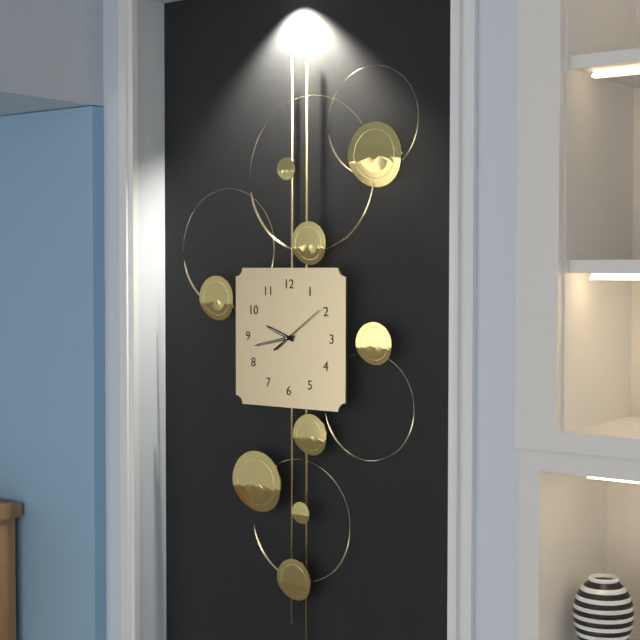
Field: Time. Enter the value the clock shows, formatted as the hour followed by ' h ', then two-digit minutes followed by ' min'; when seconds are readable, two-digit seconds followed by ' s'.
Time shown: 9 h 43 min 09 s
